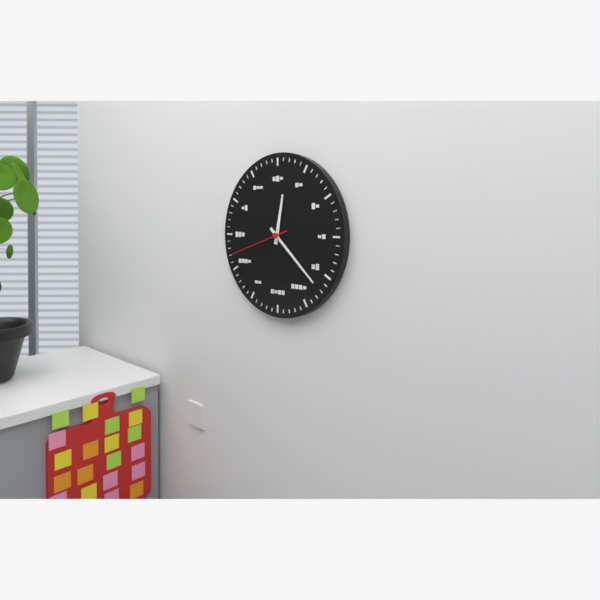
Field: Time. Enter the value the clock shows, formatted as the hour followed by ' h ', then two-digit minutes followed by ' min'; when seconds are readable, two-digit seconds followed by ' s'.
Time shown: 12 h 22 min 42 s
